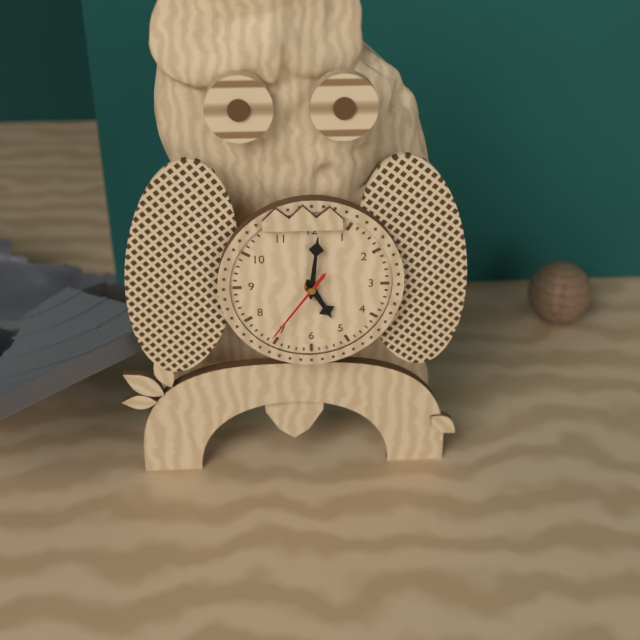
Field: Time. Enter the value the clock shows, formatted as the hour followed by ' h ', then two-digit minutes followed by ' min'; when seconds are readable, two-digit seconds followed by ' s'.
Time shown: 5 h 01 min 36 s
